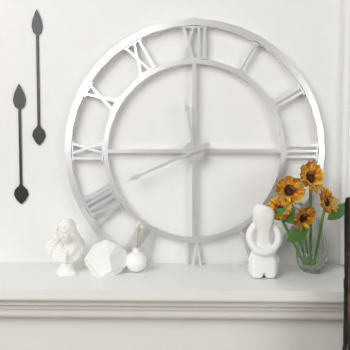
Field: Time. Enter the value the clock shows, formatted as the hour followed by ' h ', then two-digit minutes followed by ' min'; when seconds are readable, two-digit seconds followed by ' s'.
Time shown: 11 h 41 min
